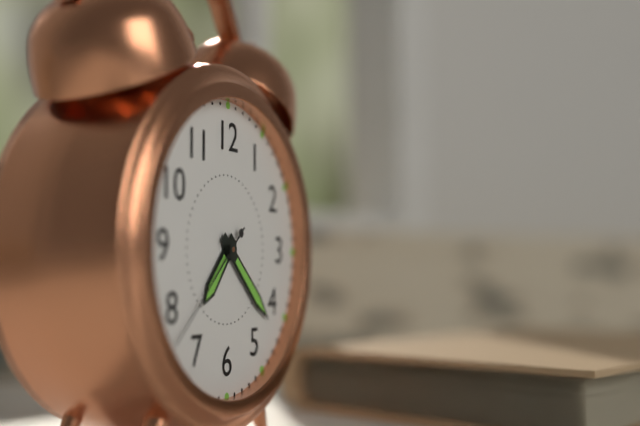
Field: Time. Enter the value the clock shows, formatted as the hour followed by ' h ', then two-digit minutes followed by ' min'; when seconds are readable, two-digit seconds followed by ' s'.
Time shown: 7 h 22 min 38 s
